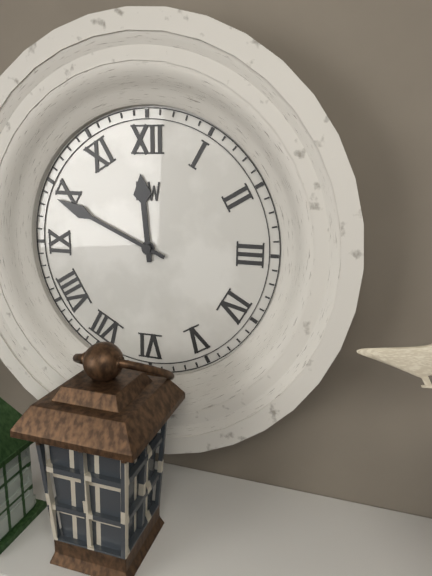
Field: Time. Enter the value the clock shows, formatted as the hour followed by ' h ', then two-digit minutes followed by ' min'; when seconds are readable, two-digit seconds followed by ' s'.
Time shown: 11 h 49 min
